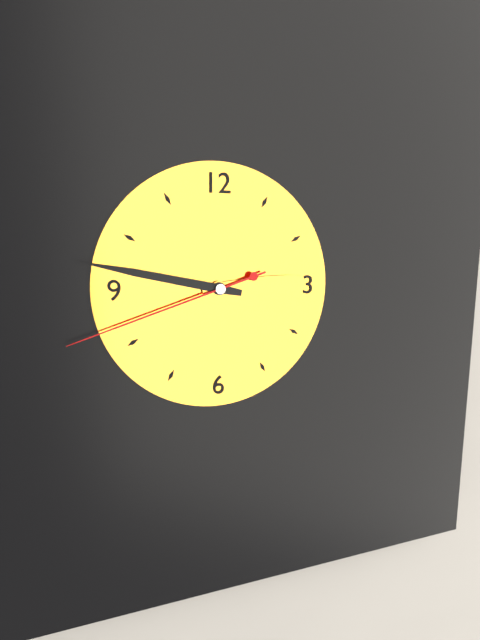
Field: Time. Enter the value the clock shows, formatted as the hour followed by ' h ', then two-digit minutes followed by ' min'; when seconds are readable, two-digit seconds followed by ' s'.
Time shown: 2 h 47 min 42 s
